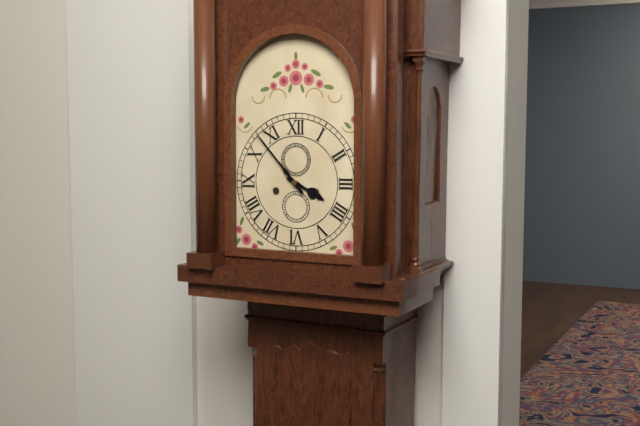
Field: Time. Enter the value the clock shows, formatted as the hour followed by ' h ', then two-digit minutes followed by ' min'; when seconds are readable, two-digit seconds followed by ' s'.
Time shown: 3 h 53 min
